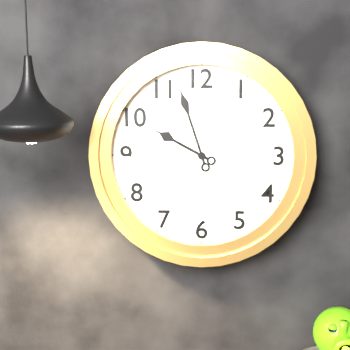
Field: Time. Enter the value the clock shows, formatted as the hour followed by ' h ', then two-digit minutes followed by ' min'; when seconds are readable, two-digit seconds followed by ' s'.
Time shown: 9 h 57 min
